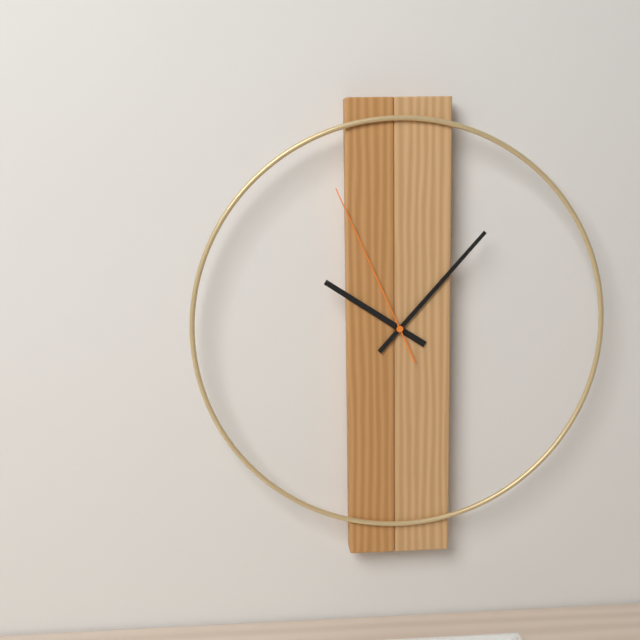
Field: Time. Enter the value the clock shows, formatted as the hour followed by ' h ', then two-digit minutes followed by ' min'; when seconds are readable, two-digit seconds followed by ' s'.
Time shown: 10 h 07 min 56 s
